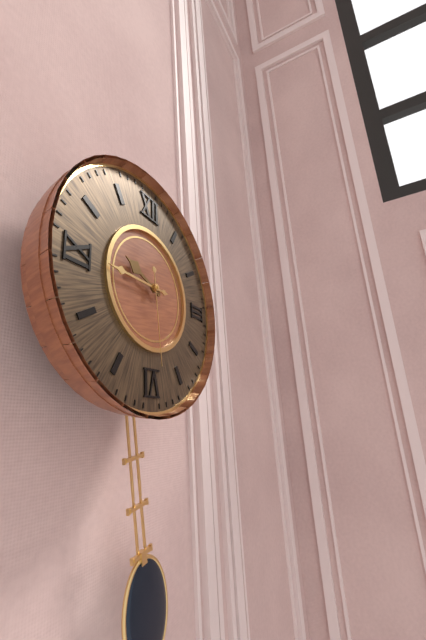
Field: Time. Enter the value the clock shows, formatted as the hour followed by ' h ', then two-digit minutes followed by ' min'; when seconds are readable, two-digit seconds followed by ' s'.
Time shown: 9 h 45 min 29 s
